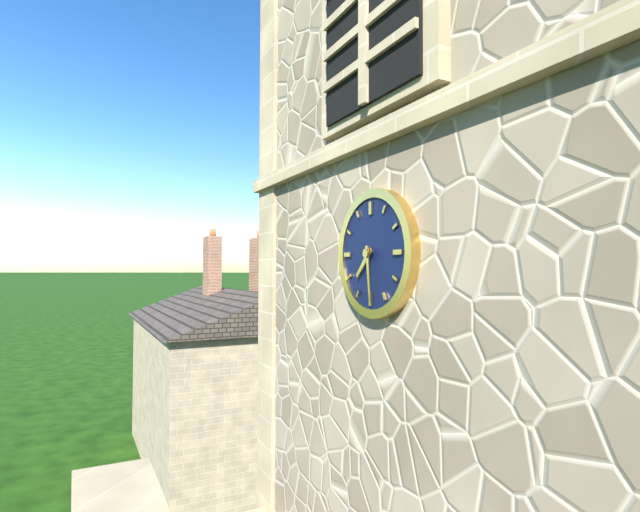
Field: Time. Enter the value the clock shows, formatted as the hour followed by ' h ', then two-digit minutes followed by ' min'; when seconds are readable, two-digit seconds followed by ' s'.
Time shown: 7 h 29 min
